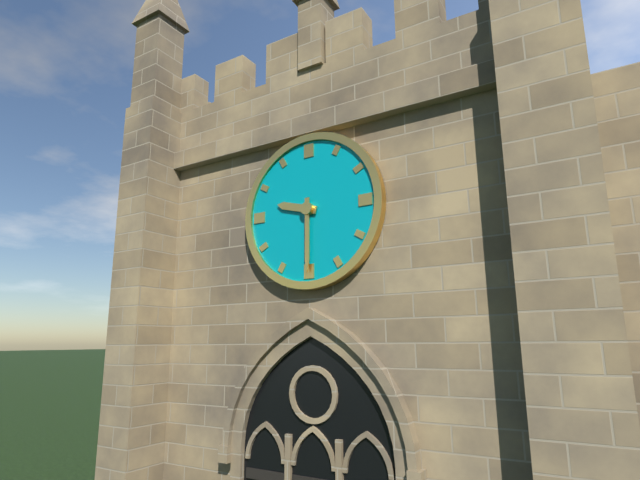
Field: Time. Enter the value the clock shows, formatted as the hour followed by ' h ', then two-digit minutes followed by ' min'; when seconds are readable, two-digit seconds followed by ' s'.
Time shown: 9 h 30 min
